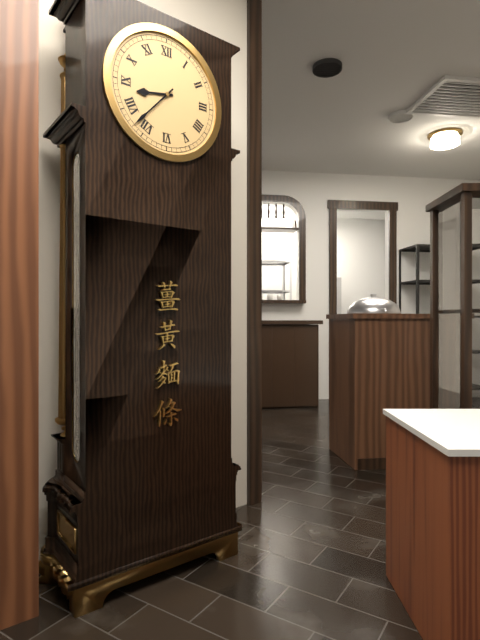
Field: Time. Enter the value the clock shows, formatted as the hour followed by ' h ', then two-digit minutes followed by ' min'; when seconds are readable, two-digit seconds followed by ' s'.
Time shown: 8 h 37 min
